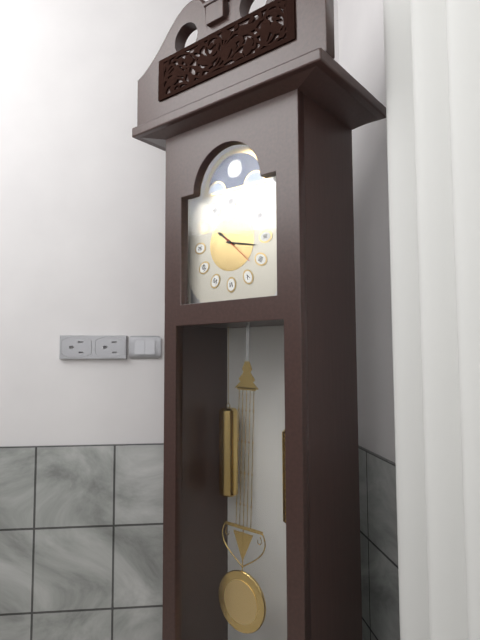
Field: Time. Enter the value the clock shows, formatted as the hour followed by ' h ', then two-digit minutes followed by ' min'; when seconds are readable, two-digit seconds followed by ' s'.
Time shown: 10 h 17 min
